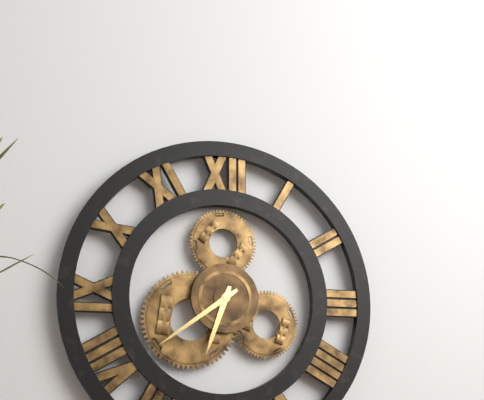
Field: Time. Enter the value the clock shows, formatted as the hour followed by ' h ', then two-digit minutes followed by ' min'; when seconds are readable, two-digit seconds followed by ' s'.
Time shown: 6 h 39 min
